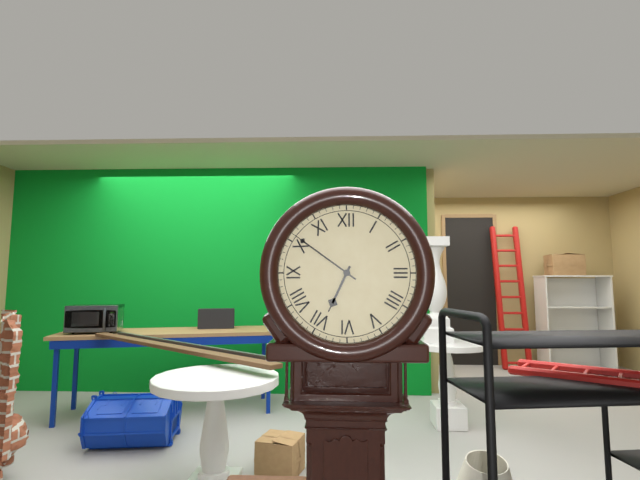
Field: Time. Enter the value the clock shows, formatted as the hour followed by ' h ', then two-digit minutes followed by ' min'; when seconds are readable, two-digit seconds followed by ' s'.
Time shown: 6 h 51 min
